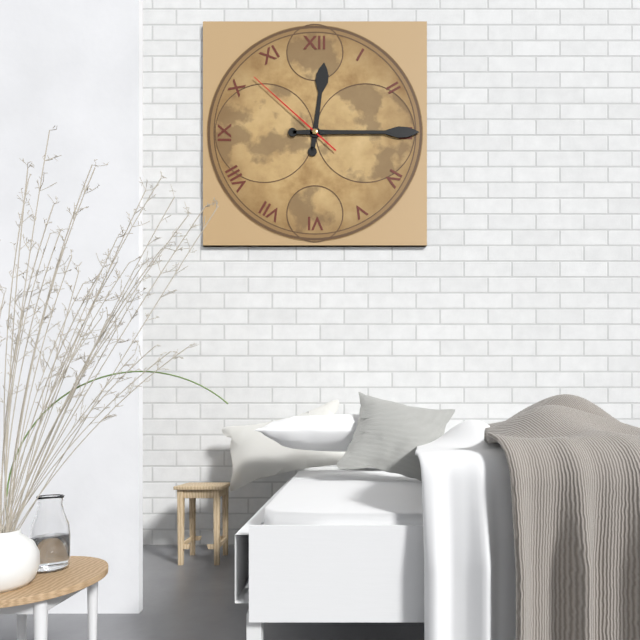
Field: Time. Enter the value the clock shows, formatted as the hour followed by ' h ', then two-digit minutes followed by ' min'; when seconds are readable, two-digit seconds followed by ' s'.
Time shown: 12 h 15 min 52 s
